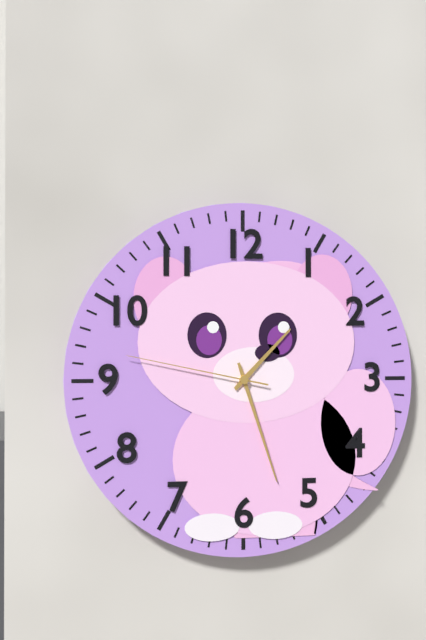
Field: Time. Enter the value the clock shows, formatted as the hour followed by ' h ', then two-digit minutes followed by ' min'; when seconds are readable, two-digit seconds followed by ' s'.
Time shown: 1 h 27 min 47 s
